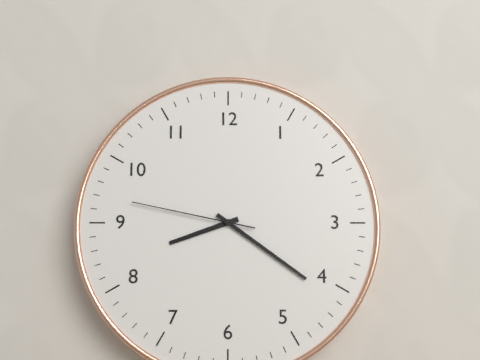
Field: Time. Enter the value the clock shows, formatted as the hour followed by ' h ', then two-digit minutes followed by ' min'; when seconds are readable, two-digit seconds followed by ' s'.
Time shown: 8 h 21 min 47 s
